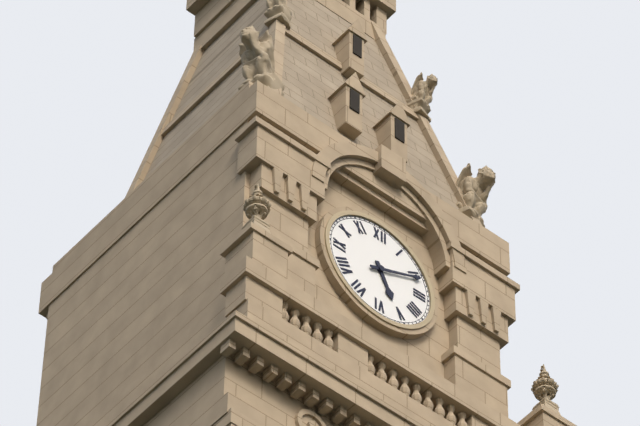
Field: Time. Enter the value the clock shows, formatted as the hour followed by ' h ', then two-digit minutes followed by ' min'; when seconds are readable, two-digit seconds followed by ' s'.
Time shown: 5 h 11 min
